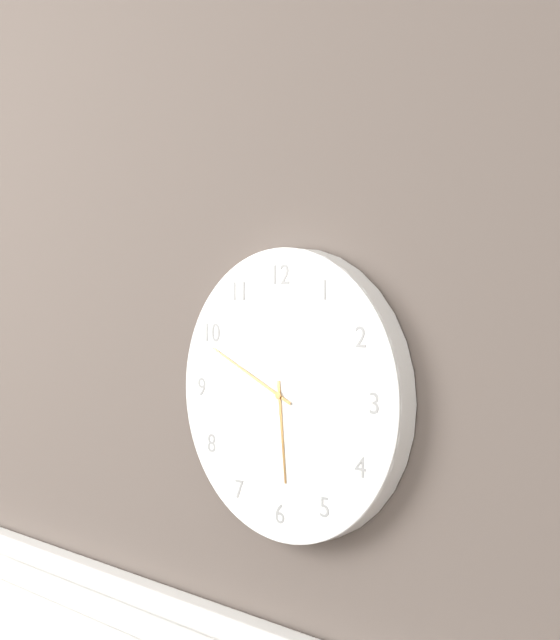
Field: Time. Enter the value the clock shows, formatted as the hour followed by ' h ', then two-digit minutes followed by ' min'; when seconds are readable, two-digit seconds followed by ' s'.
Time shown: 5 h 49 min
